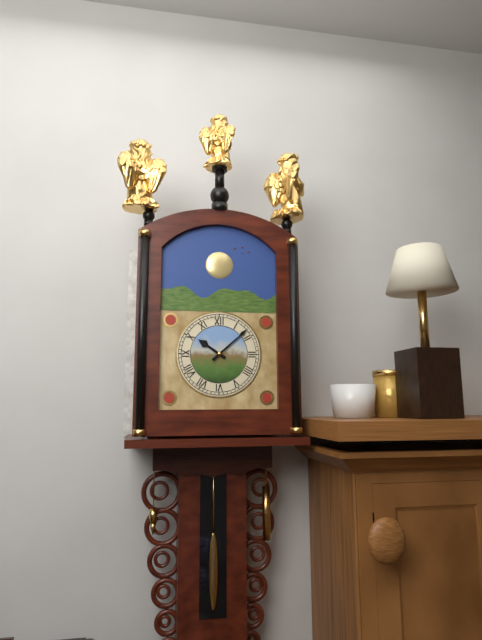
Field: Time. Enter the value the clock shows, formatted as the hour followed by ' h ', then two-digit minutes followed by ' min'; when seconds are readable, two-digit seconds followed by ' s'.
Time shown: 10 h 08 min
